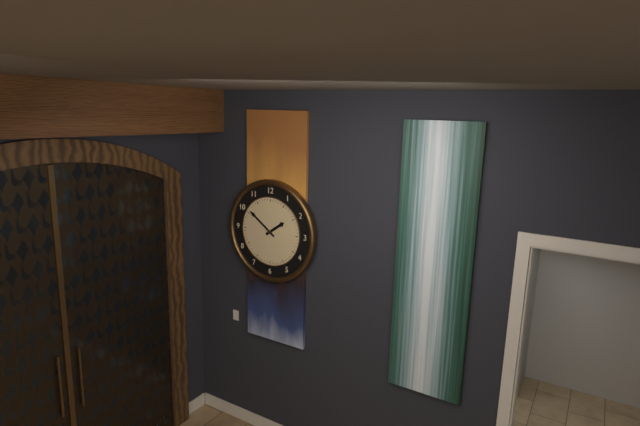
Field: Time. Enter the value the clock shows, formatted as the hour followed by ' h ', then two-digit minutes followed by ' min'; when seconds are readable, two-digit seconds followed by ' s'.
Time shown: 1 h 51 min
